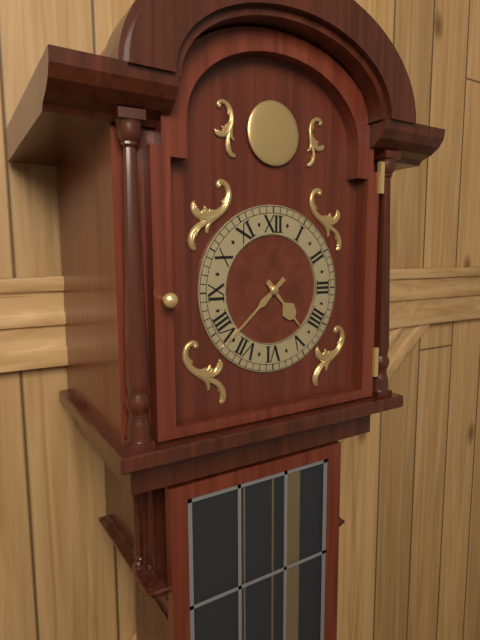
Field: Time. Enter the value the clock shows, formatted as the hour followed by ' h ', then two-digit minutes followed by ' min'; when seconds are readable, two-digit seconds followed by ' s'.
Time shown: 4 h 38 min
